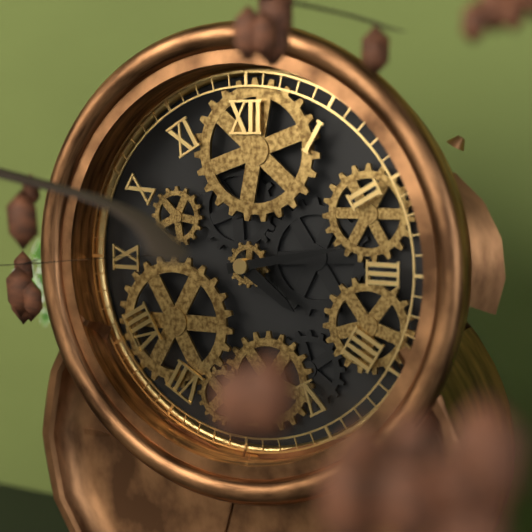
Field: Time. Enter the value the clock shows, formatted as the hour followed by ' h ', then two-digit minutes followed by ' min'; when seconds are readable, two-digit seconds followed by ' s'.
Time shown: 4 h 13 min
